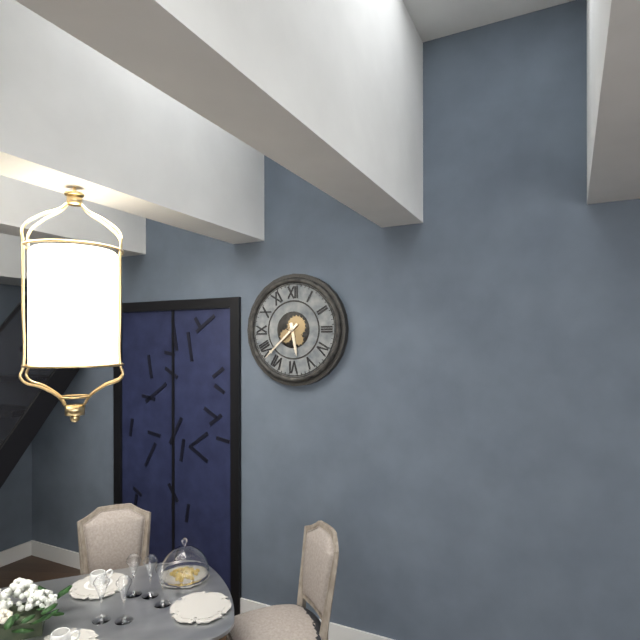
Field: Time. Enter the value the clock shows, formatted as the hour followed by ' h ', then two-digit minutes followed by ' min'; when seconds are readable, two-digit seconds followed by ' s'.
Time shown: 5 h 38 min
